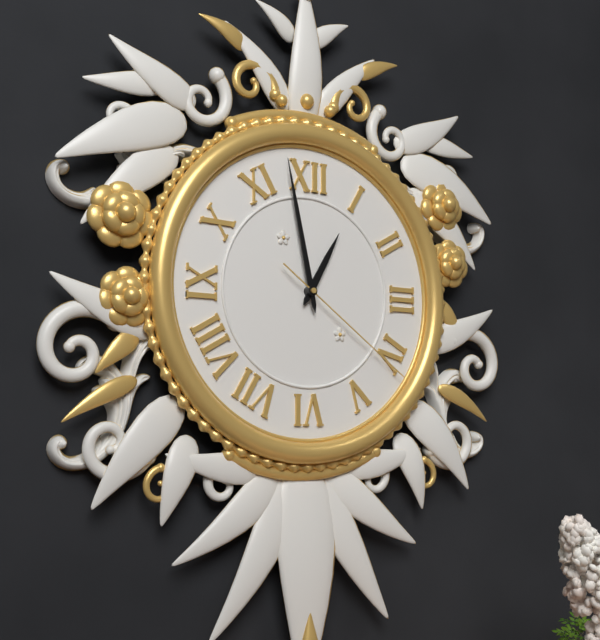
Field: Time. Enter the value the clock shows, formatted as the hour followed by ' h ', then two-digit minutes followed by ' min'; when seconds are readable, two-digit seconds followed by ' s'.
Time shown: 12 h 58 min 21 s
